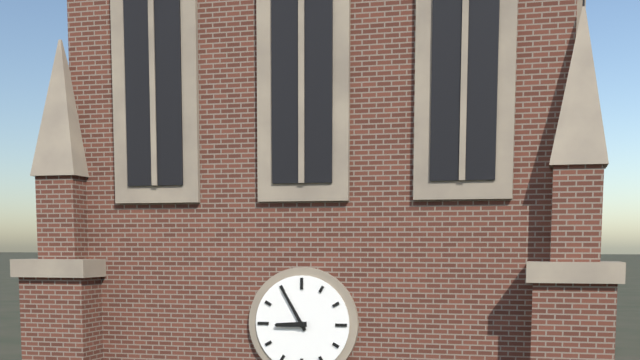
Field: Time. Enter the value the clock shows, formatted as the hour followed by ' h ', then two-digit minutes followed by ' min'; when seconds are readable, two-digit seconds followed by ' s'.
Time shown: 8 h 55 min
